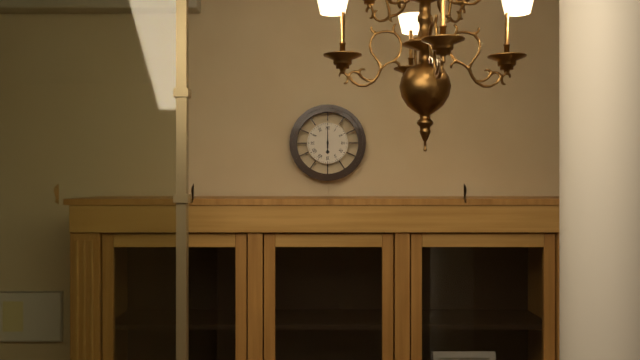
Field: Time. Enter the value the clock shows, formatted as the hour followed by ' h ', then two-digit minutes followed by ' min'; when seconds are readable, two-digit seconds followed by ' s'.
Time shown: 6 h 00 min
